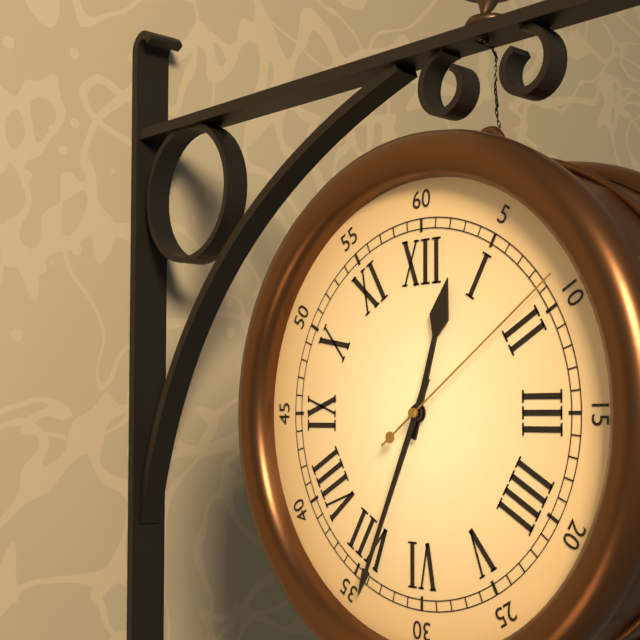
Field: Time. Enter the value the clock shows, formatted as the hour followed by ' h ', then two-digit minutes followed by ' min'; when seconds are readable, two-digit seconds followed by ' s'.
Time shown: 12 h 34 min 09 s
